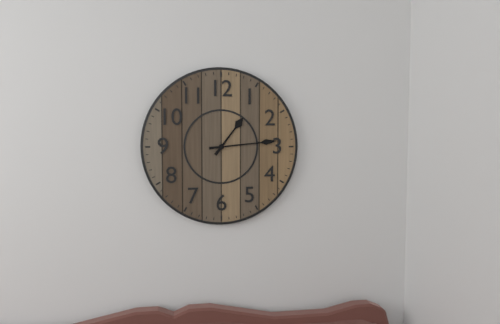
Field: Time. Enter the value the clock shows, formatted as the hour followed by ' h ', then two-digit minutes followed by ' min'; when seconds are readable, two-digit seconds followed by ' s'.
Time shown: 1 h 14 min
